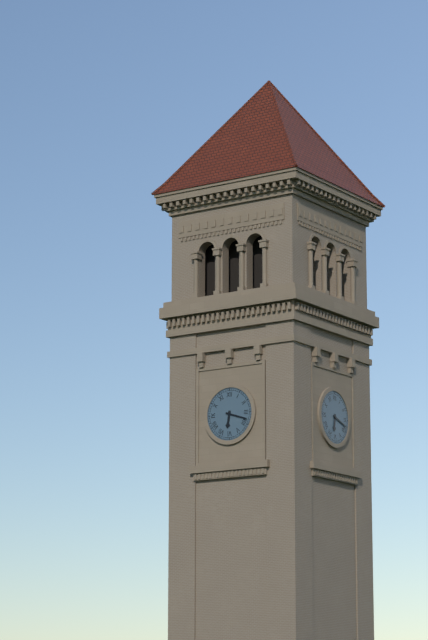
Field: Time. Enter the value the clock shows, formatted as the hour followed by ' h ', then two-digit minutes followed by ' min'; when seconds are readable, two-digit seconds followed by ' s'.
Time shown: 6 h 18 min
